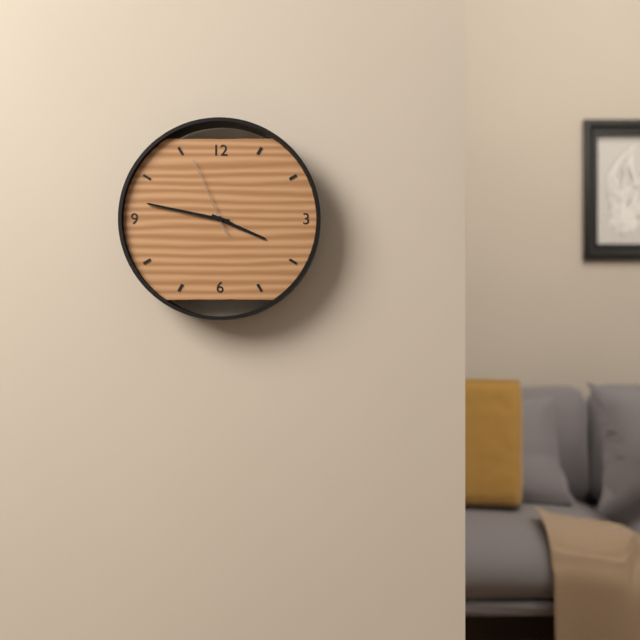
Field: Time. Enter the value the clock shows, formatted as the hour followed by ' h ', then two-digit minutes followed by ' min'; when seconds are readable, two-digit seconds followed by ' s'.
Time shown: 3 h 47 min 56 s
